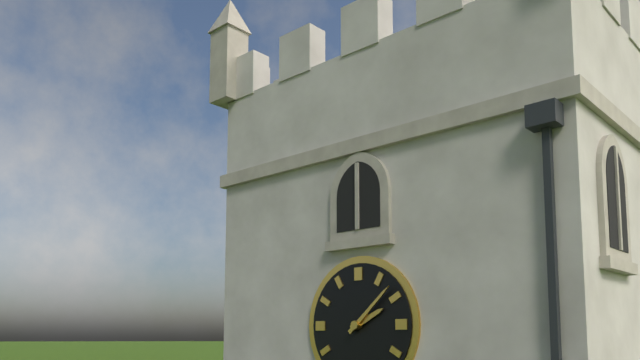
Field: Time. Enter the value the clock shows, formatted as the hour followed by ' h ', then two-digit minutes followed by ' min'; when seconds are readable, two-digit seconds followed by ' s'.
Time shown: 2 h 08 min
